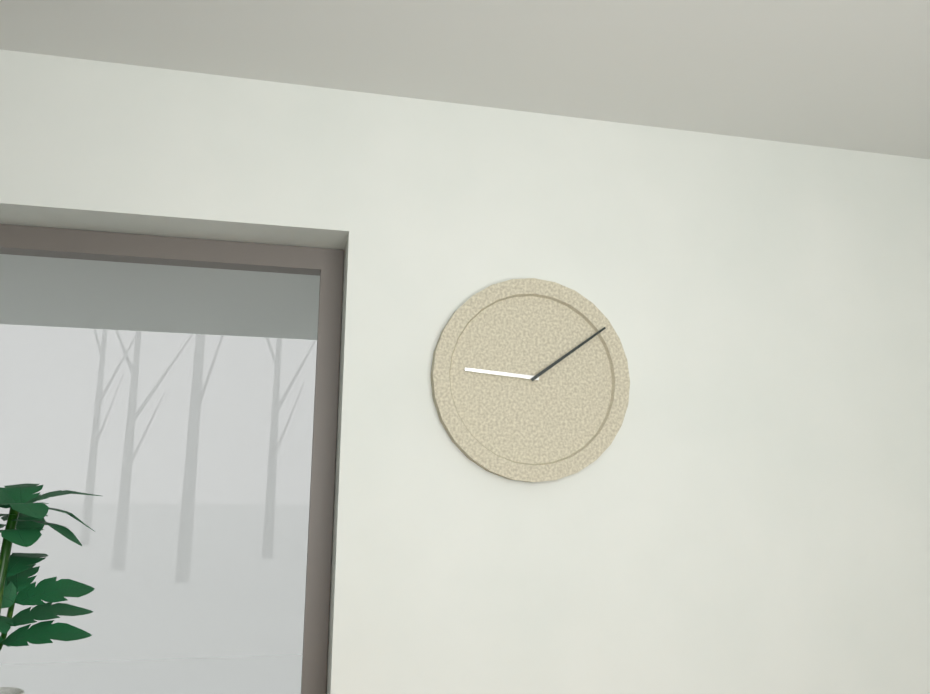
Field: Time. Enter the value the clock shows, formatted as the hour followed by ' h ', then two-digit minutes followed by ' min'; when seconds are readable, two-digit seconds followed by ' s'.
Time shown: 9 h 09 min
